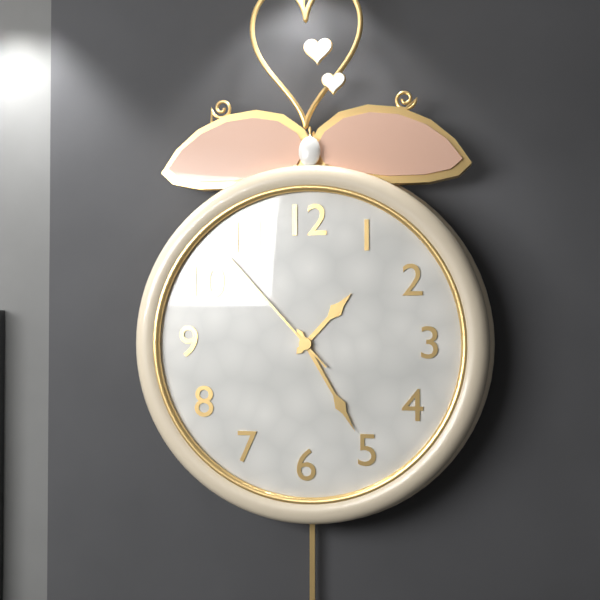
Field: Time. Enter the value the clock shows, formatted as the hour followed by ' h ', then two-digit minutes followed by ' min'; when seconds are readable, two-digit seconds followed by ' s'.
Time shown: 1 h 25 min 53 s
